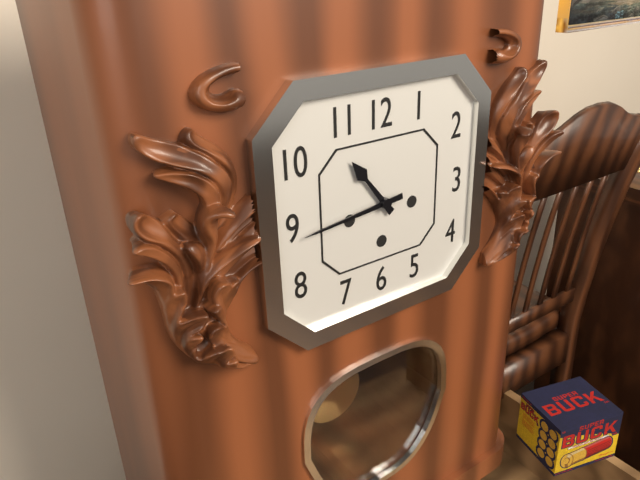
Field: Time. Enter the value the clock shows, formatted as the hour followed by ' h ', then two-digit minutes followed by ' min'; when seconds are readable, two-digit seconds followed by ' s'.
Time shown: 10 h 44 min
